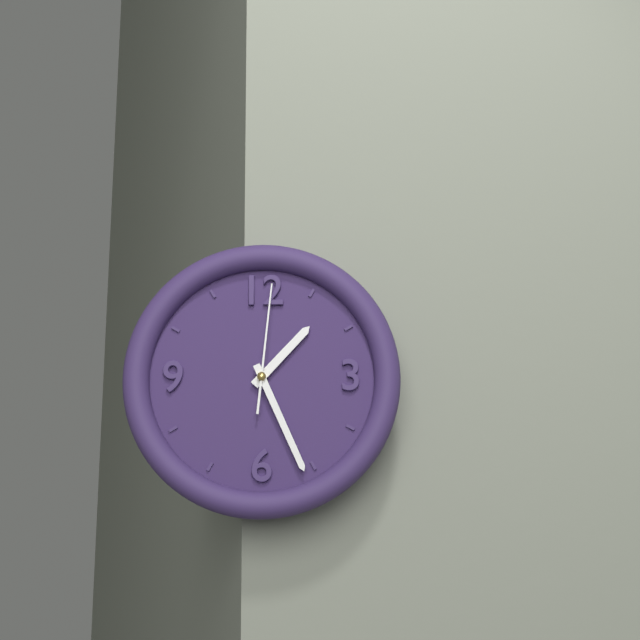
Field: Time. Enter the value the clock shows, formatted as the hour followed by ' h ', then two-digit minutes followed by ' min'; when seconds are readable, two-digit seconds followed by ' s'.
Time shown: 1 h 26 min 01 s
